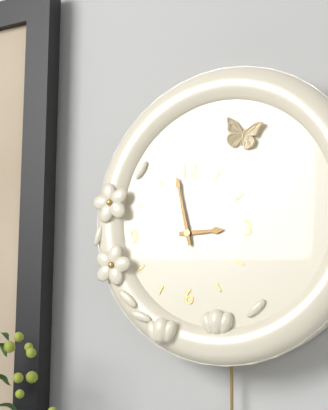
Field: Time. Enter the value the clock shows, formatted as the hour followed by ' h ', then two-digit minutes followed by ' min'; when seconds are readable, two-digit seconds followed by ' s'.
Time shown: 2 h 58 min
